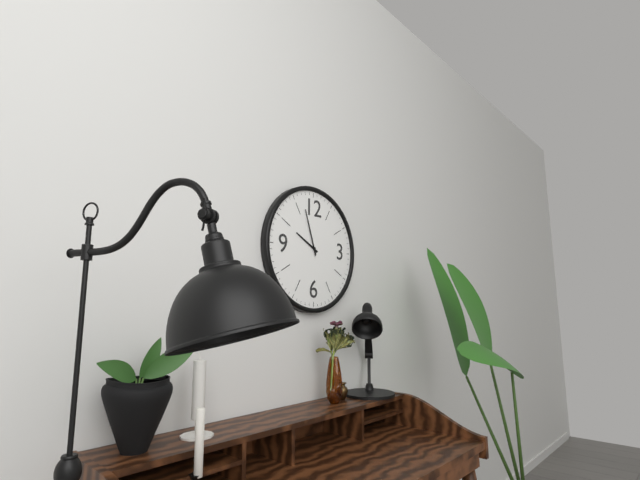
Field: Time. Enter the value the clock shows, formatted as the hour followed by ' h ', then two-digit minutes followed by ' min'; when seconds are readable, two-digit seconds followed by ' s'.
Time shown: 9 h 57 min
